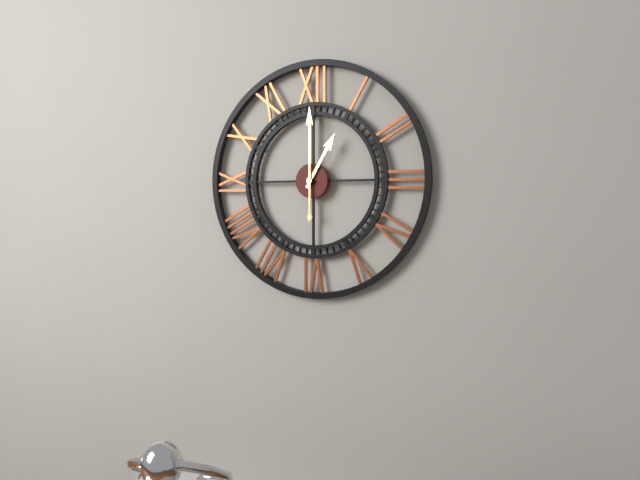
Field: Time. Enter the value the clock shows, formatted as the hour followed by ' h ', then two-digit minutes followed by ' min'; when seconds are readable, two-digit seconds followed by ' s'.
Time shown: 1 h 00 min
